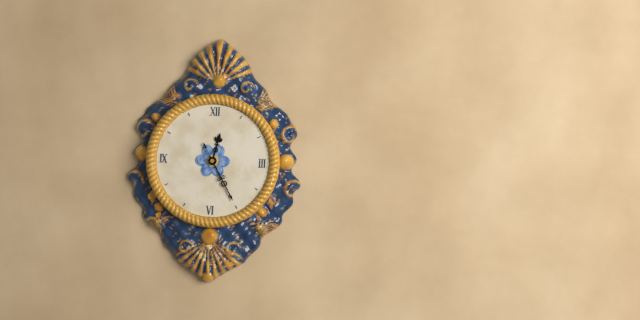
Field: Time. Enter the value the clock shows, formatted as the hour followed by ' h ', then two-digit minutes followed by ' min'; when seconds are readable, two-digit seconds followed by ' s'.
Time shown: 12 h 25 min 25 s
